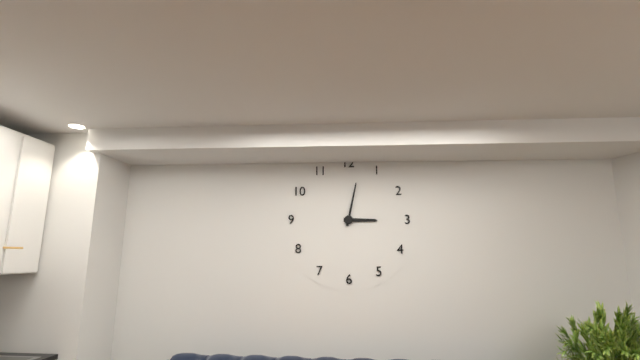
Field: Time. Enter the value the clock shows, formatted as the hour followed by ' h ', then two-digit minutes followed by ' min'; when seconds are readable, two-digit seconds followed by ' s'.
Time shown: 3 h 02 min
